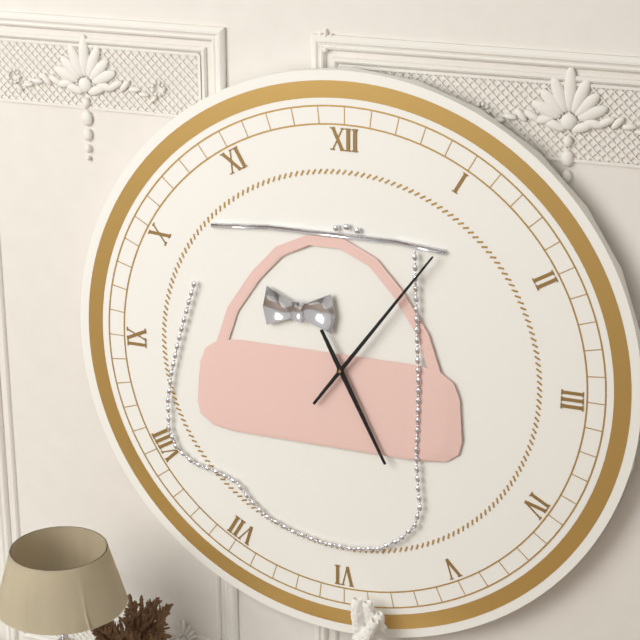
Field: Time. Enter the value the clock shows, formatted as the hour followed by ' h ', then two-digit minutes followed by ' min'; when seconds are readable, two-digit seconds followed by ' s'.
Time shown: 5 h 06 min
